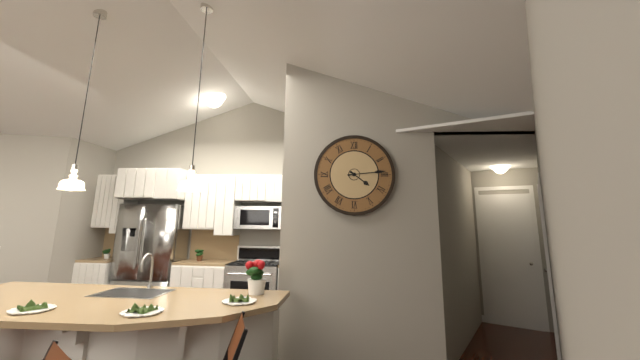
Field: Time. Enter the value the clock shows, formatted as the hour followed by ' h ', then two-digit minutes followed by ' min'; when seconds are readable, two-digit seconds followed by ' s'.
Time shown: 4 h 14 min
